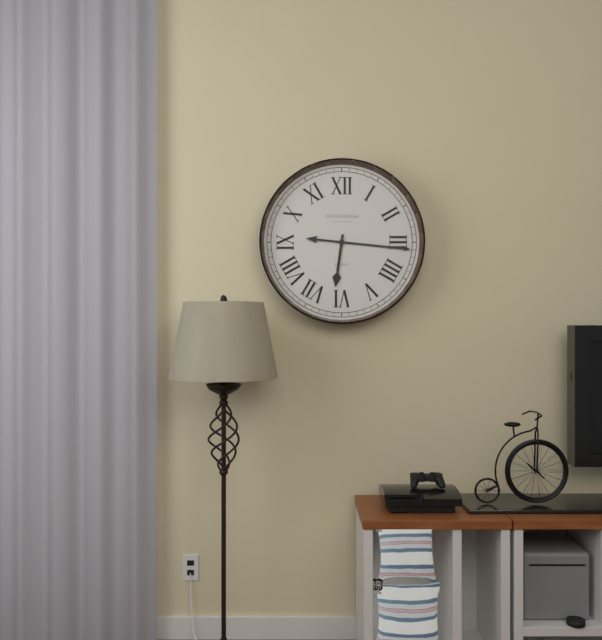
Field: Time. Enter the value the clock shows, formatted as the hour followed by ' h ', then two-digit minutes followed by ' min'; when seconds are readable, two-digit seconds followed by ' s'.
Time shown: 6 h 16 min
